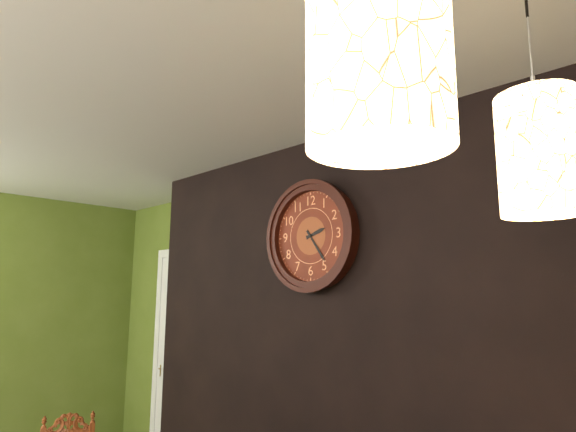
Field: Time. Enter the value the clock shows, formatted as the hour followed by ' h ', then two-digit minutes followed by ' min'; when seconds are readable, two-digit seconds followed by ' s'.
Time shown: 2 h 24 min
